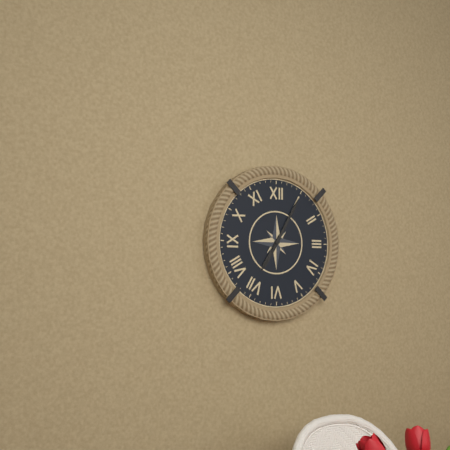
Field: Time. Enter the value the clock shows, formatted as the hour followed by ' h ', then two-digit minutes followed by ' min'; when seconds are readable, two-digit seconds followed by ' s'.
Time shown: 7 h 05 min
